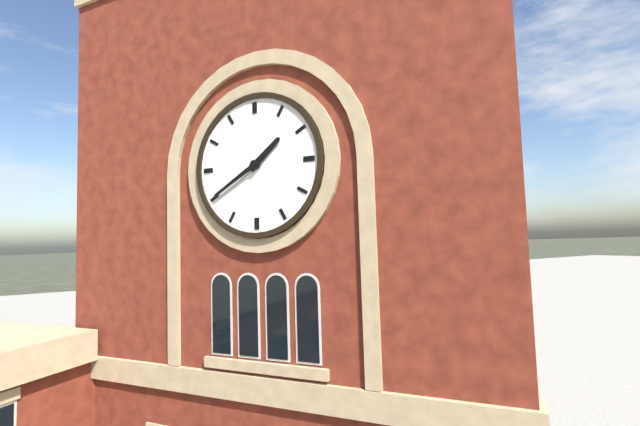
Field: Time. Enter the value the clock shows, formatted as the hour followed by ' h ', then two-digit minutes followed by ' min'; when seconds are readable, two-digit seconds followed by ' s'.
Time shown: 1 h 40 min
